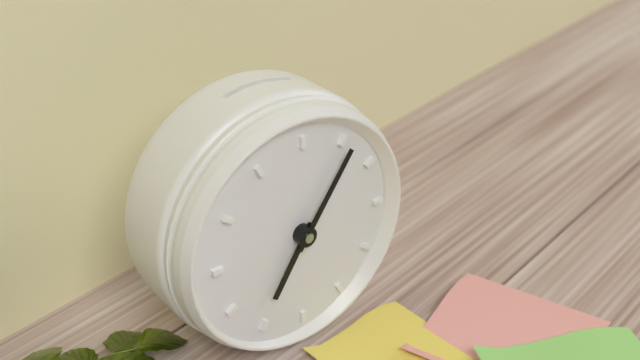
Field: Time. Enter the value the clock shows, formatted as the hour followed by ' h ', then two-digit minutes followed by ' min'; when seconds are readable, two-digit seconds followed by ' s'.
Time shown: 7 h 06 min
